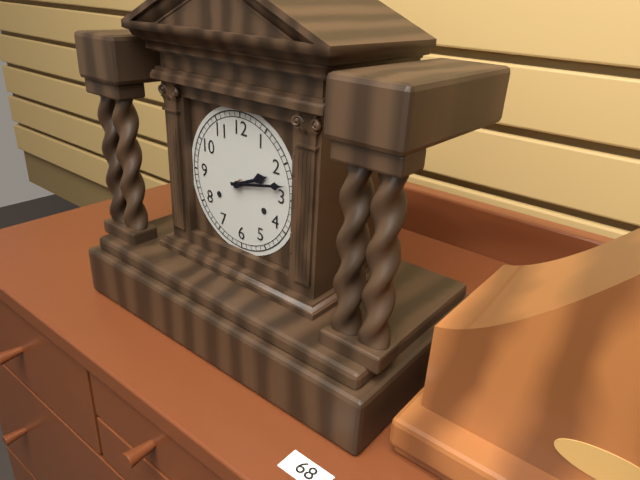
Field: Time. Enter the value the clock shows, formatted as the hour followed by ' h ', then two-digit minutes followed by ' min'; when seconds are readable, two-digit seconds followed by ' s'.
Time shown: 2 h 13 min
